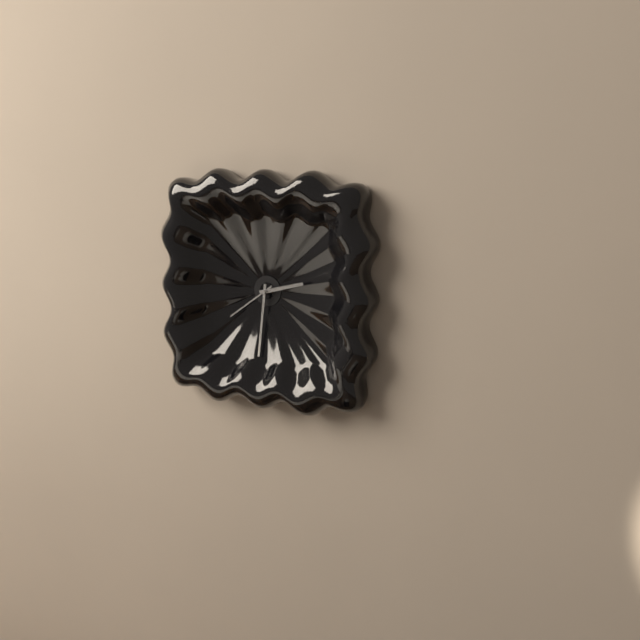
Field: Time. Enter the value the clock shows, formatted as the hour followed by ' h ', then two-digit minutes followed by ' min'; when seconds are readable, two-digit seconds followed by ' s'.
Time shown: 2 h 31 min 39 s
